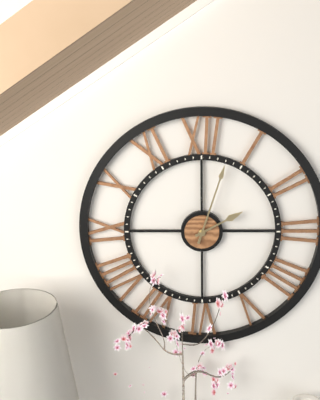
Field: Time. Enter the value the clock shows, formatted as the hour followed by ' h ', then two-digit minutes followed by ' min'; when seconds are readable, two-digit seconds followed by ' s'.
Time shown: 2 h 03 min
